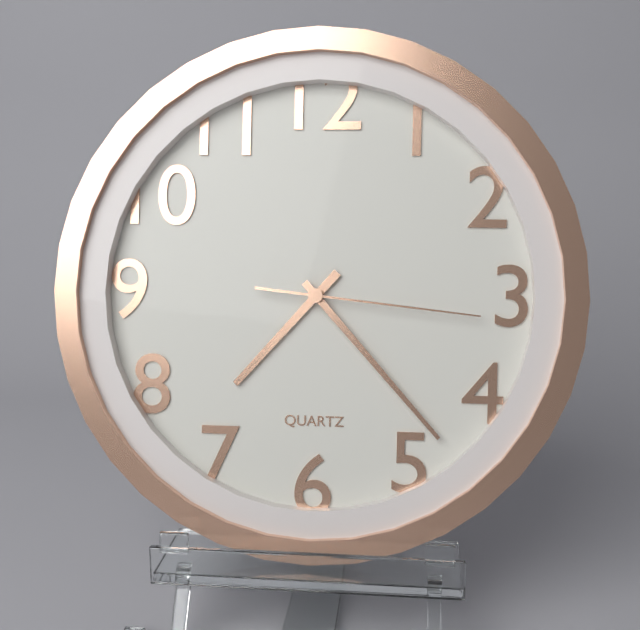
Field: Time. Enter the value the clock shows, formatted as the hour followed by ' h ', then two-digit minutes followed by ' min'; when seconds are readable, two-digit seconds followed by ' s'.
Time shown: 7 h 23 min 16 s
